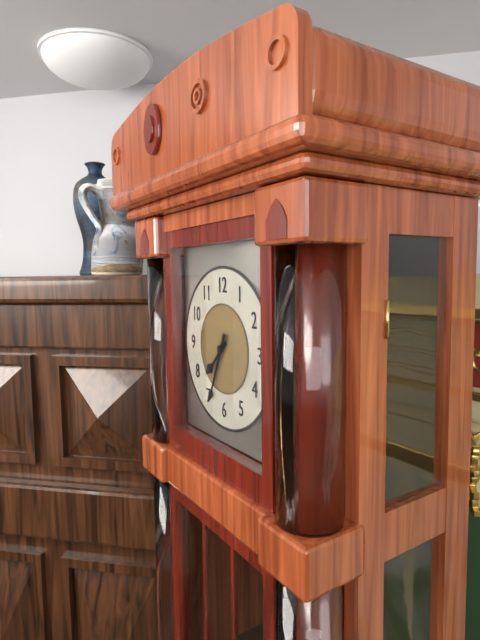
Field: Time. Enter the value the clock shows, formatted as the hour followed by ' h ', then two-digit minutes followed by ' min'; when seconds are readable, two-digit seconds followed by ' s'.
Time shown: 7 h 34 min
